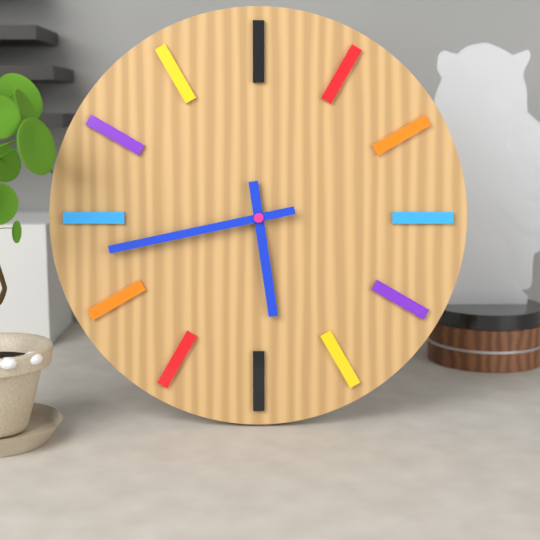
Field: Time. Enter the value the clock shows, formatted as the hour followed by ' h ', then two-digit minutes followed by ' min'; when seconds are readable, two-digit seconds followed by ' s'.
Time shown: 5 h 43 min
